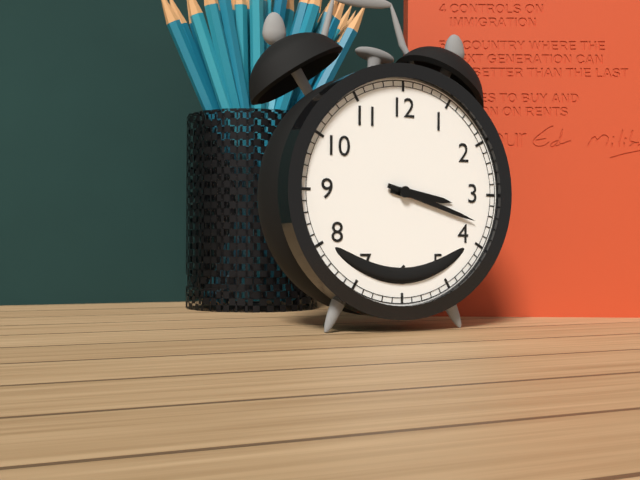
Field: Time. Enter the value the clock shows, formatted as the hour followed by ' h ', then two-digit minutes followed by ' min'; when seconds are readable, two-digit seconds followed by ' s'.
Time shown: 3 h 18 min
